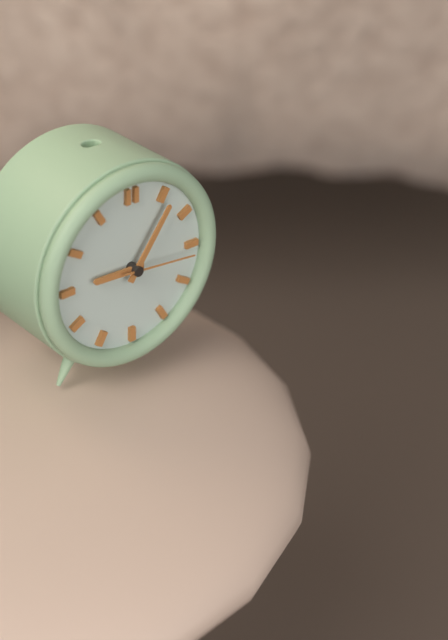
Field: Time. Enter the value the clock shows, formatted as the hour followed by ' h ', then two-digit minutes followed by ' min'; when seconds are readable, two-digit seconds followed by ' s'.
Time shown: 9 h 06 min 16 s
